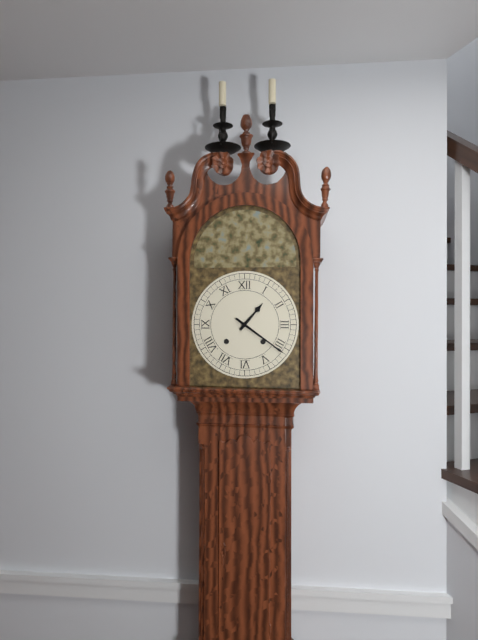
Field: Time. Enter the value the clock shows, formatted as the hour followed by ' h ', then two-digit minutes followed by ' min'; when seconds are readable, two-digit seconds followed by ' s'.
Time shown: 1 h 21 min
